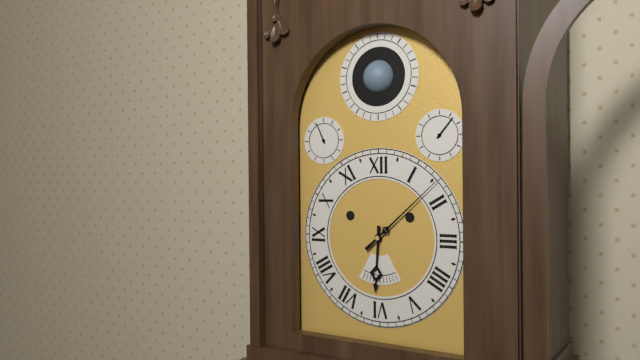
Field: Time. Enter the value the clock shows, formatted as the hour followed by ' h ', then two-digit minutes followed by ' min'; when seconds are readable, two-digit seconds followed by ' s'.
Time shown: 6 h 08 min
